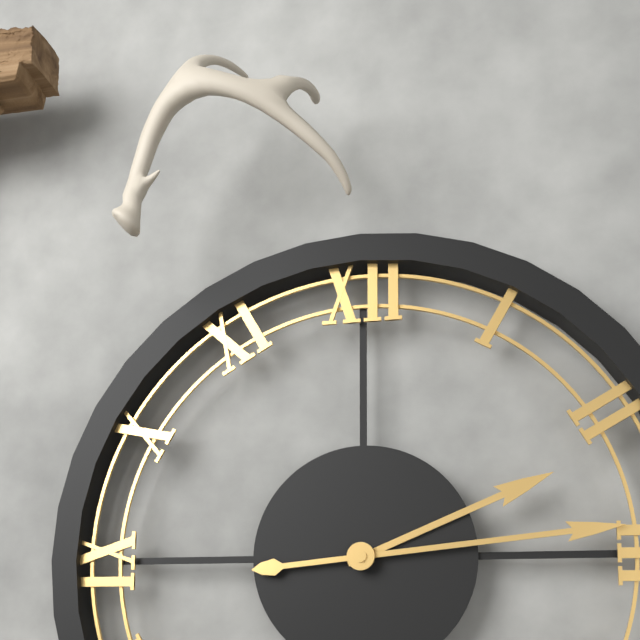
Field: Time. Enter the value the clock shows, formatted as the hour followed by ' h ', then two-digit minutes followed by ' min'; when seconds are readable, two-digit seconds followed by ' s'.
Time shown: 2 h 14 min
